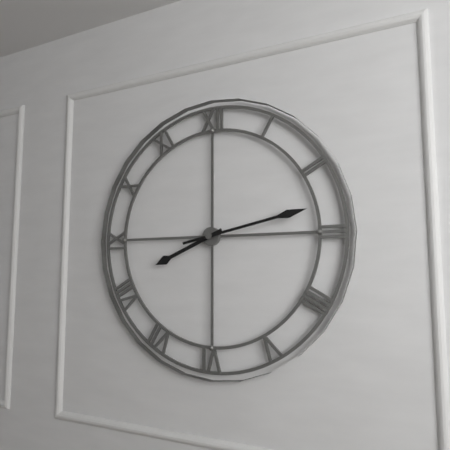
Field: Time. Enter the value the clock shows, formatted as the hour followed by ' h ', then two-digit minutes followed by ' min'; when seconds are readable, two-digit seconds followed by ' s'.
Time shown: 8 h 13 min
